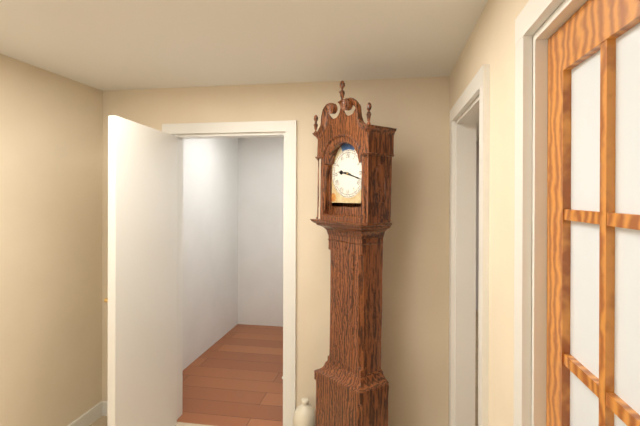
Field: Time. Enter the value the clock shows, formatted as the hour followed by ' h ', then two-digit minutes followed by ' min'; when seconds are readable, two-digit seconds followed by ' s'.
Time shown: 9 h 18 min
